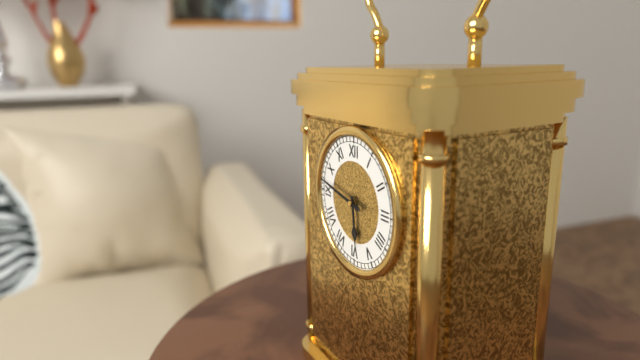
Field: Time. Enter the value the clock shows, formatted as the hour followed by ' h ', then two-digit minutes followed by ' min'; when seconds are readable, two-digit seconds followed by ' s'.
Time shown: 5 h 47 min
